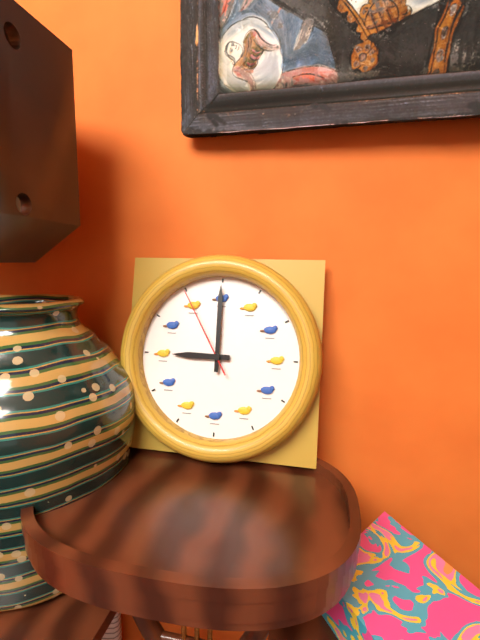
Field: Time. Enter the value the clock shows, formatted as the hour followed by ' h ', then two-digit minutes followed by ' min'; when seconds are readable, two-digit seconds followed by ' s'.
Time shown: 9 h 00 min 55 s
